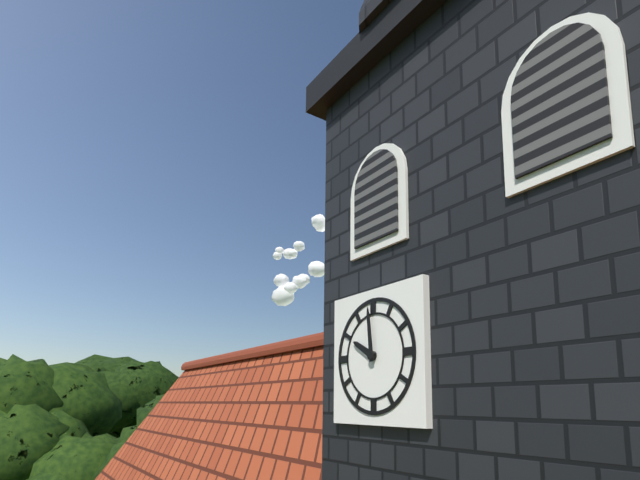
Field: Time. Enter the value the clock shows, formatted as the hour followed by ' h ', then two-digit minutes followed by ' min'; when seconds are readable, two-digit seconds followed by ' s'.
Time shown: 9 h 59 min
